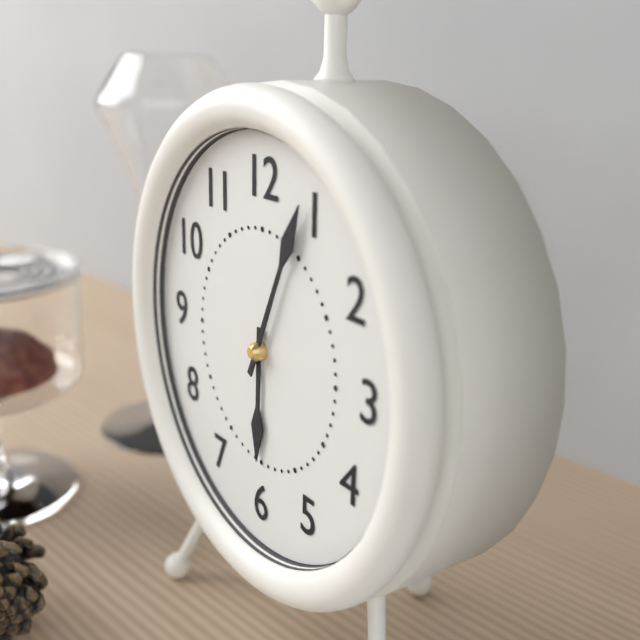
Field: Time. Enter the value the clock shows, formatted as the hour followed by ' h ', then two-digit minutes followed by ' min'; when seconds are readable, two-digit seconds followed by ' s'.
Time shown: 6 h 04 min
